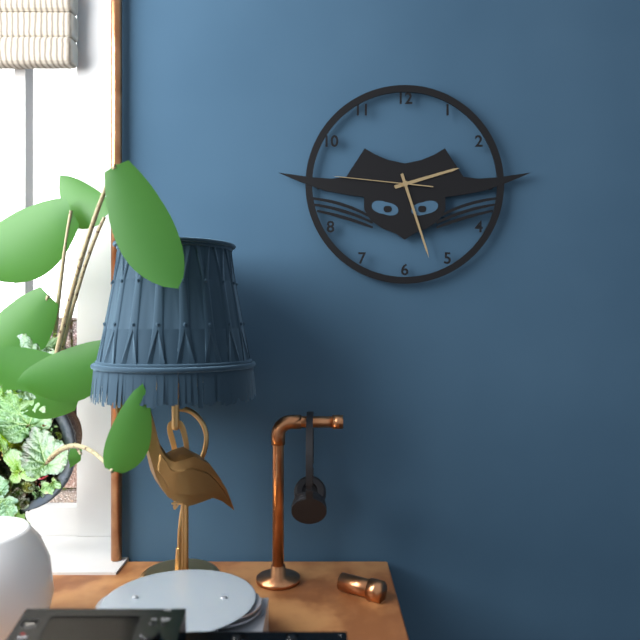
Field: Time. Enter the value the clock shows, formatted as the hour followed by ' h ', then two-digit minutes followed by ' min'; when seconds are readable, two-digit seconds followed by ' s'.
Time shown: 2 h 27 min 46 s
